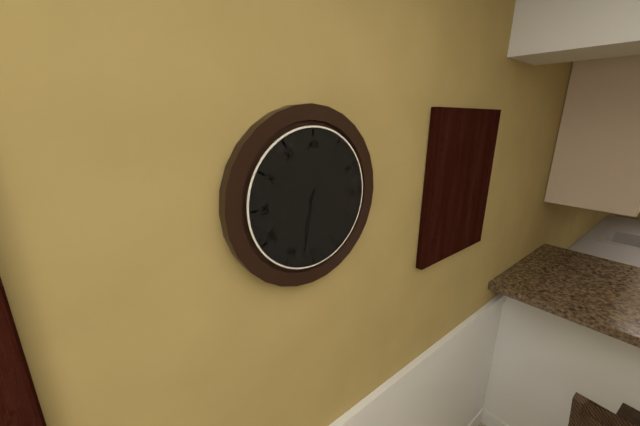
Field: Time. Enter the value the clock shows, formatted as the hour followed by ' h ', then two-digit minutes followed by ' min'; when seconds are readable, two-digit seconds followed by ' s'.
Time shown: 6 h 32 min
